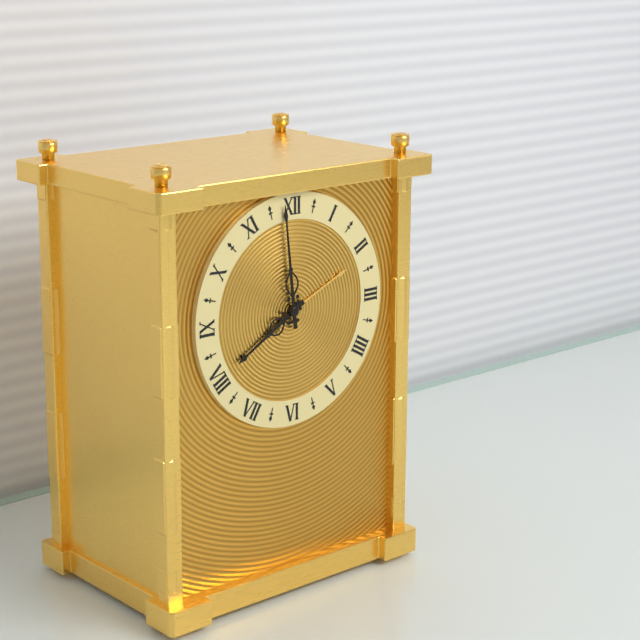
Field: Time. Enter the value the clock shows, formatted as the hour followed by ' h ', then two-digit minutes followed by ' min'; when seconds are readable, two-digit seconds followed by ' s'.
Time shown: 7 h 59 min
